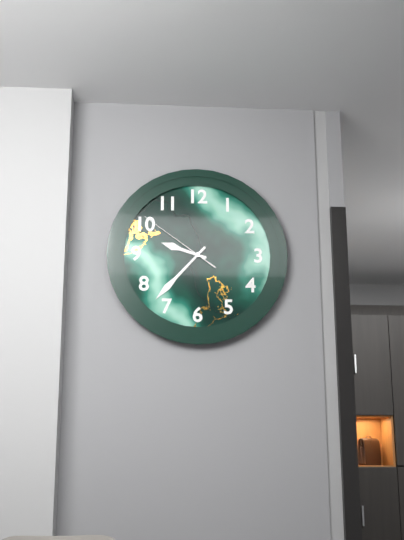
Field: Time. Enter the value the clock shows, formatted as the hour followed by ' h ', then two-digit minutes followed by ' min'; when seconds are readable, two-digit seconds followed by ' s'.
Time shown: 9 h 37 min 51 s
